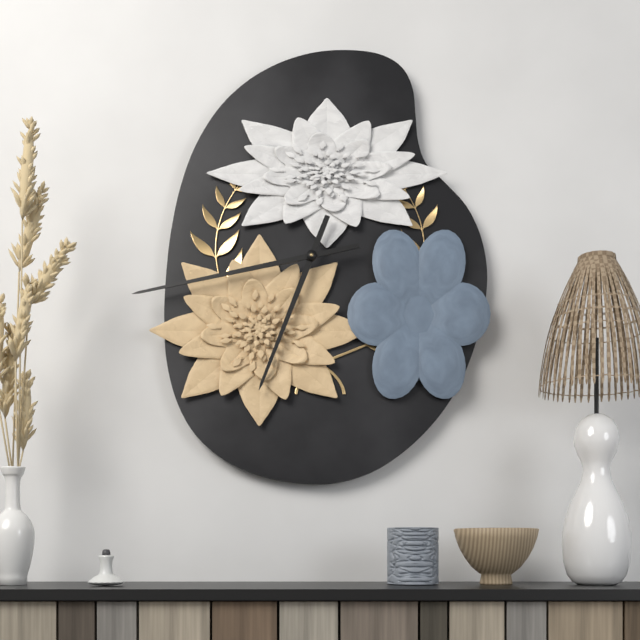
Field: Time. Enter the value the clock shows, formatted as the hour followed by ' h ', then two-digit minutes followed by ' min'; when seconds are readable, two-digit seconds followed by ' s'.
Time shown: 6 h 43 min
